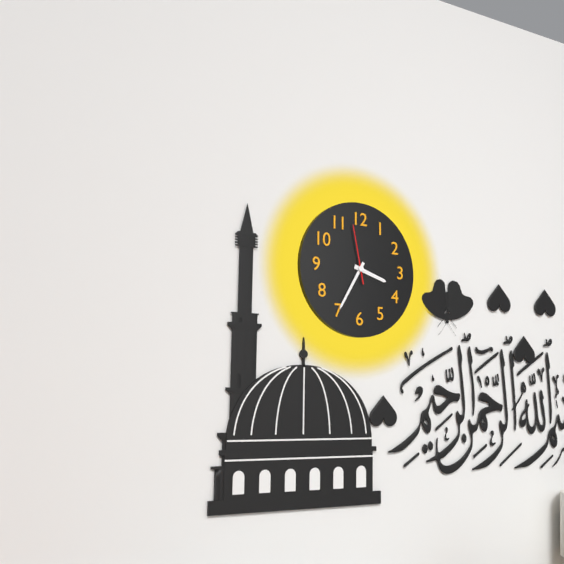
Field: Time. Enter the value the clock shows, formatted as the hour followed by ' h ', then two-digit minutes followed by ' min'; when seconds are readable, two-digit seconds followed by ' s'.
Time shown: 3 h 35 min 58 s
